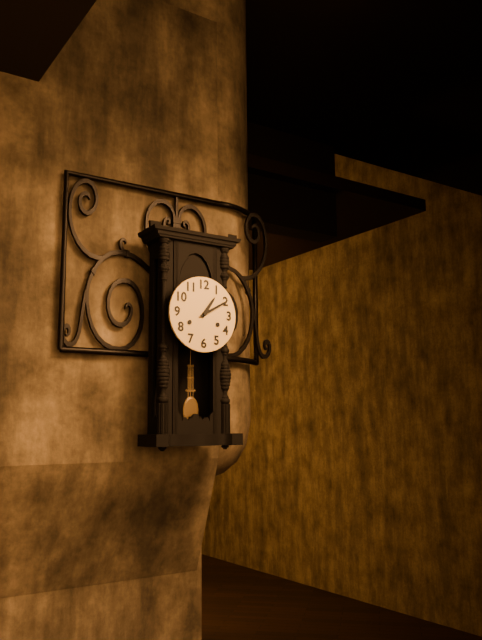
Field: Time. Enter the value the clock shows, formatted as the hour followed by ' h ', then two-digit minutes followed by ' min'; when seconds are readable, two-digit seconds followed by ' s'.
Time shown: 1 h 10 min
